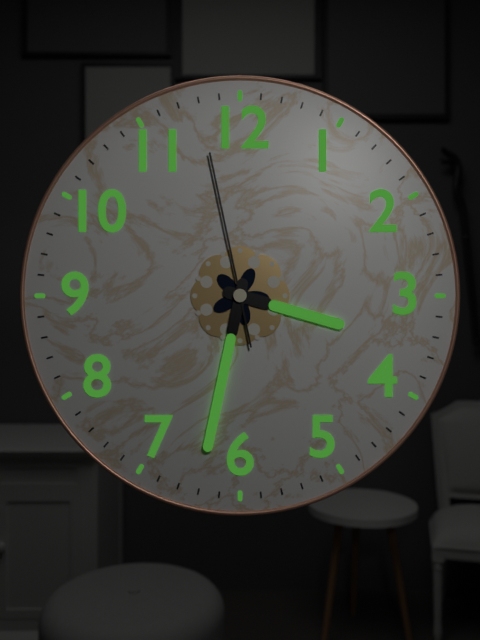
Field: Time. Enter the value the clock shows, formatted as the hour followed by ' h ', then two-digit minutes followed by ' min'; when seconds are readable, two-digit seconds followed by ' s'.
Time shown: 3 h 32 min 58 s
